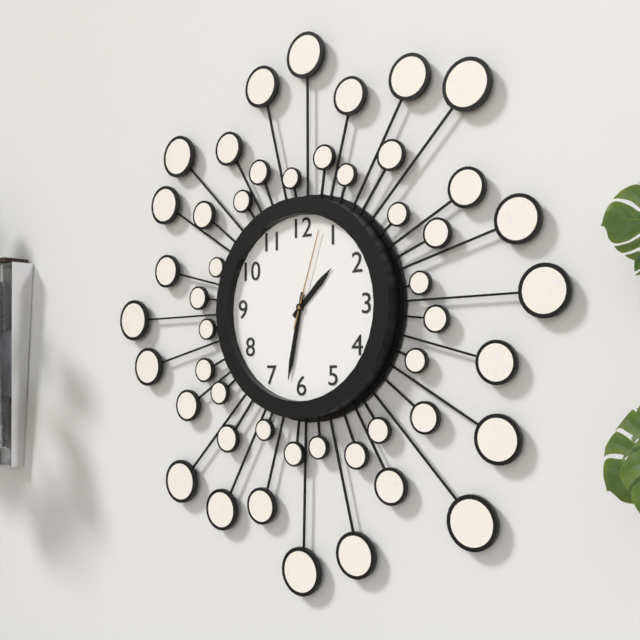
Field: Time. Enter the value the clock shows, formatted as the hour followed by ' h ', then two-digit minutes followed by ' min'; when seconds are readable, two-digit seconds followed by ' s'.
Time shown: 1 h 32 min 03 s
